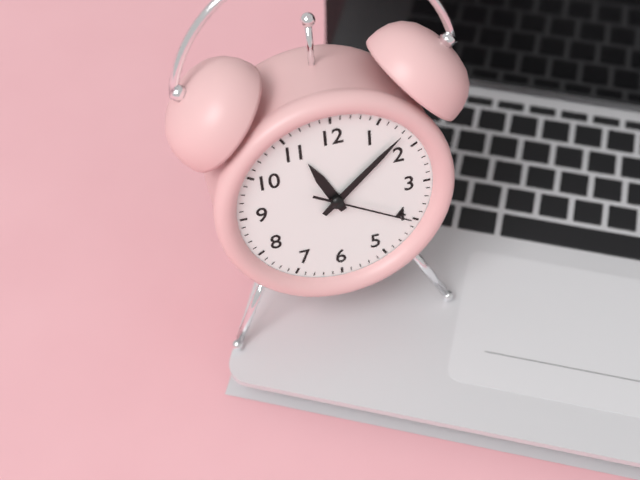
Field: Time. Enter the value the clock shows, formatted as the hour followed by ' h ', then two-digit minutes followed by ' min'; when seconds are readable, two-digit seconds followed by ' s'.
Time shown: 11 h 08 min 20 s
